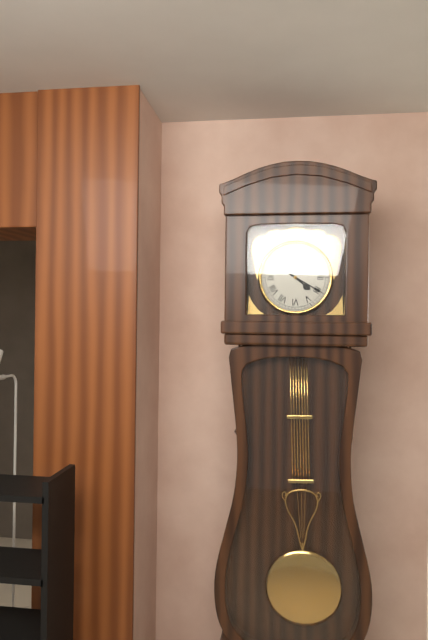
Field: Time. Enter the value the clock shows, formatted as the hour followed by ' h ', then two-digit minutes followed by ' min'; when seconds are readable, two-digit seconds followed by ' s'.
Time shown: 4 h 20 min
